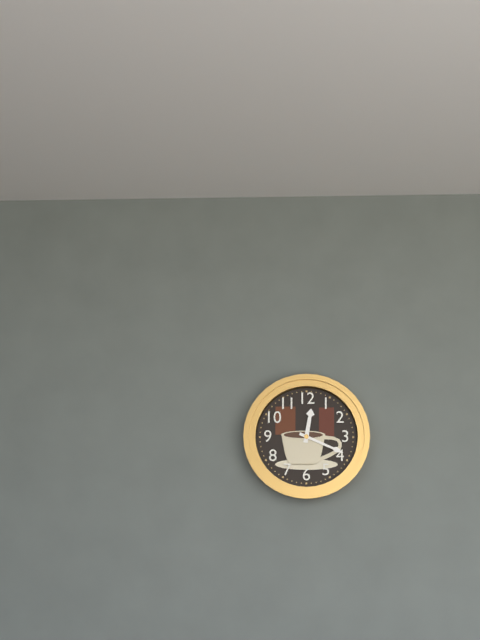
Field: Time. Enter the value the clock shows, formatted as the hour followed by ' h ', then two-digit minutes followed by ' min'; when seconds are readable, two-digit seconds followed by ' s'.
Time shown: 12 h 19 min
